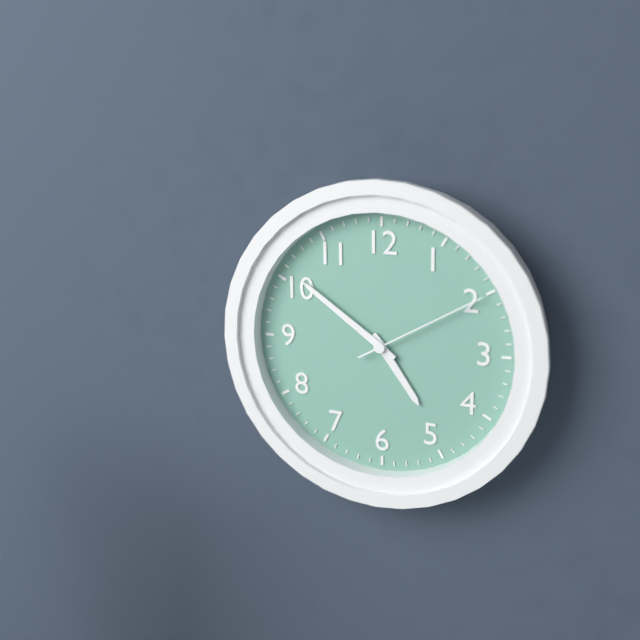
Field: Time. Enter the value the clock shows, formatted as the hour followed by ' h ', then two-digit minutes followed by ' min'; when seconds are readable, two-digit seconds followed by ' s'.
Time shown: 4 h 51 min 10 s
